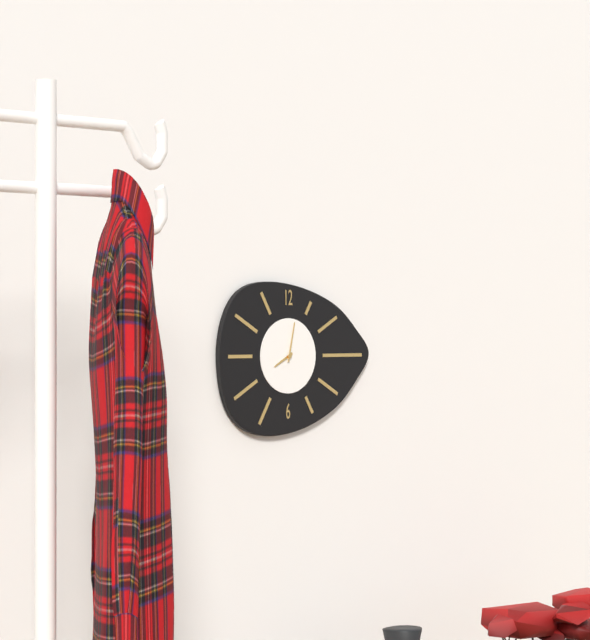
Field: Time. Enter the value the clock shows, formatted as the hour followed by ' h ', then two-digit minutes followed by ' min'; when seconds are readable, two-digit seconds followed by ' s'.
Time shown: 8 h 02 min
